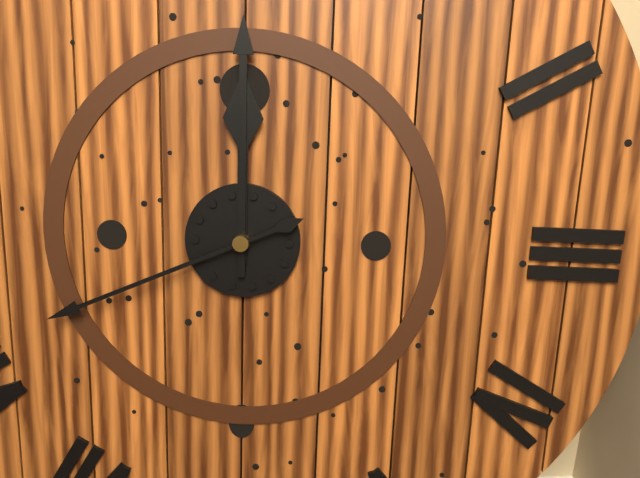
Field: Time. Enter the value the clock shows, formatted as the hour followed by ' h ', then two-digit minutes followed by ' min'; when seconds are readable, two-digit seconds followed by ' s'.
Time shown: 12 h 00 min 41 s
